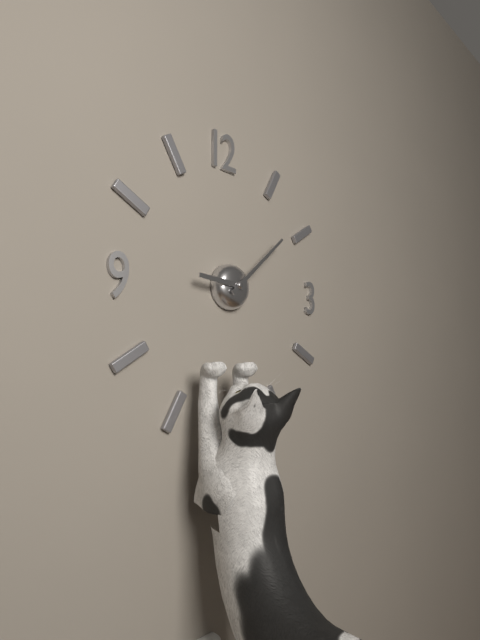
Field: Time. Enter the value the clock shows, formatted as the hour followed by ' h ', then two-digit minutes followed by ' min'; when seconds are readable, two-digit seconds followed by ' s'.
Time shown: 9 h 08 min
